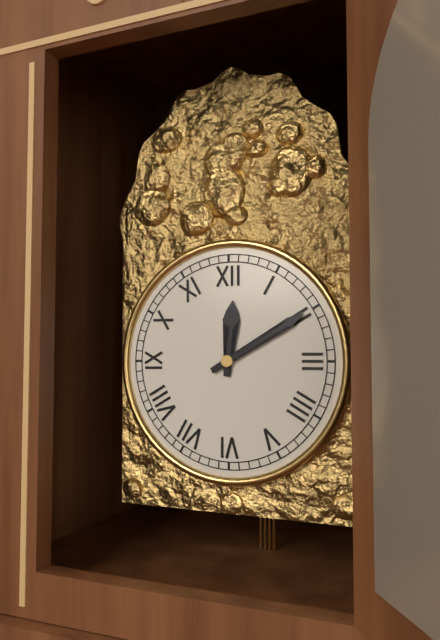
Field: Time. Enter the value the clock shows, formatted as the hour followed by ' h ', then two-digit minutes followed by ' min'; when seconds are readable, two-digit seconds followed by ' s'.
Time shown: 12 h 10 min
